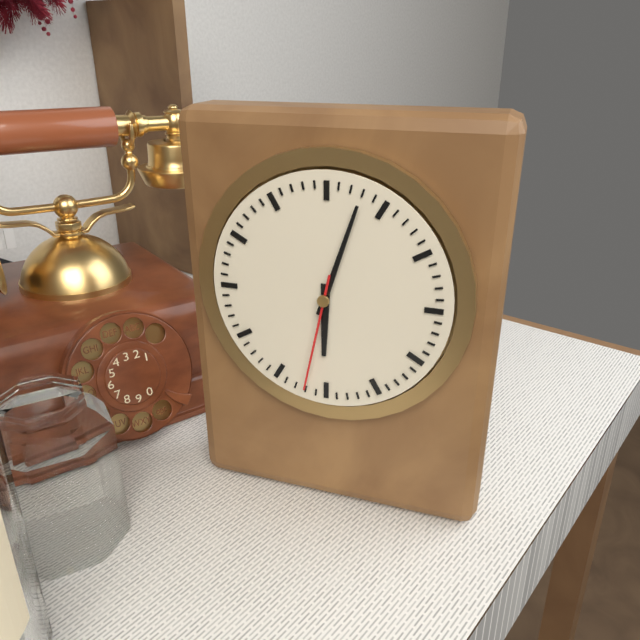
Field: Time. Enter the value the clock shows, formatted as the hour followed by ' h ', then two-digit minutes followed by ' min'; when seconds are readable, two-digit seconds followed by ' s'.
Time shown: 6 h 03 min 32 s
